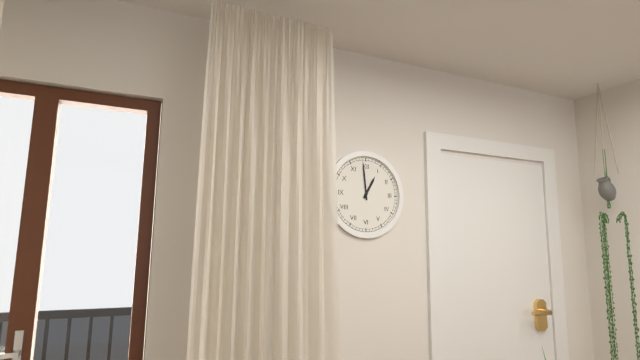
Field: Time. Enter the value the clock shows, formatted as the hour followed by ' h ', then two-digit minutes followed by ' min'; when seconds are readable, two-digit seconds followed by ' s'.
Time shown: 12 h 59 min
